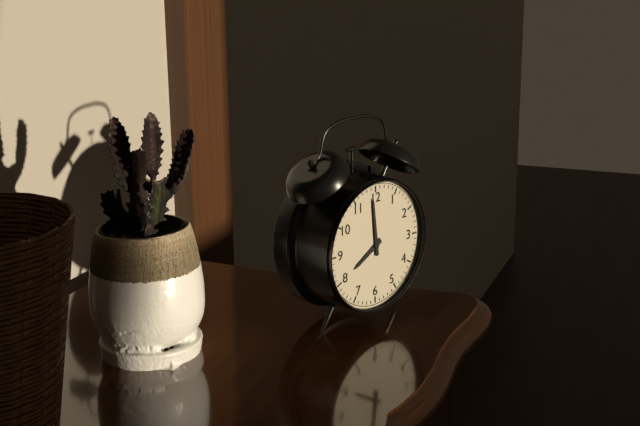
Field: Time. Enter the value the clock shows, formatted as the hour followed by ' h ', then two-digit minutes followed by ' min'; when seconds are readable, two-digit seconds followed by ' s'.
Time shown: 7 h 59 min
